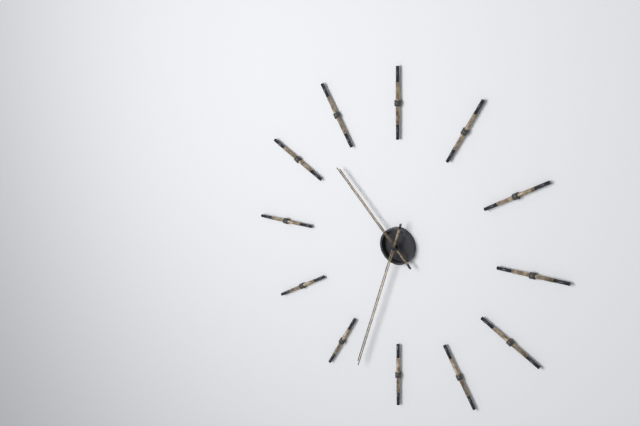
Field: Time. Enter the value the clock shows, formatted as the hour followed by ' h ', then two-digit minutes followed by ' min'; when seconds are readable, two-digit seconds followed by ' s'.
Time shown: 10 h 33 min
